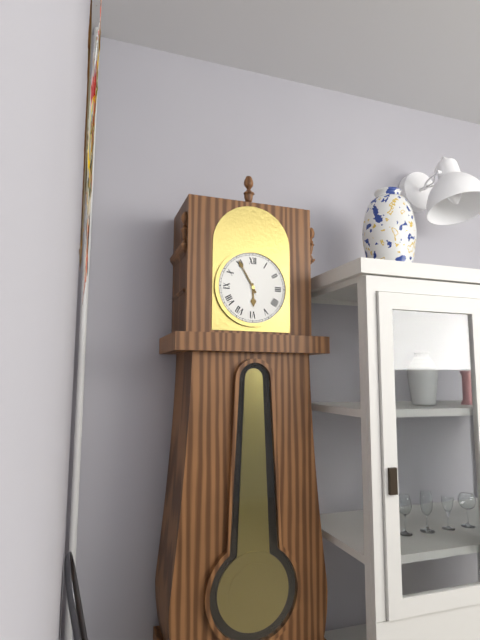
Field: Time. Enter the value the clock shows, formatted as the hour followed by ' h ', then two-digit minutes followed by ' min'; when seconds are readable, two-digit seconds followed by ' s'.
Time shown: 5 h 55 min
